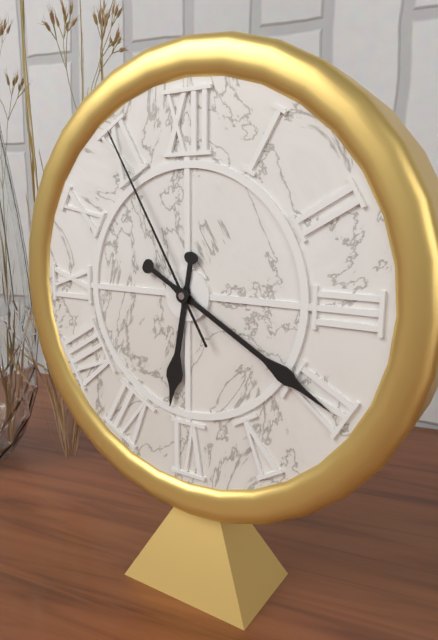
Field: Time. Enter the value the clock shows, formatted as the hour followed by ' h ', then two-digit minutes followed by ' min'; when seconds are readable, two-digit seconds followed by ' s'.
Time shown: 6 h 20 min 55 s
